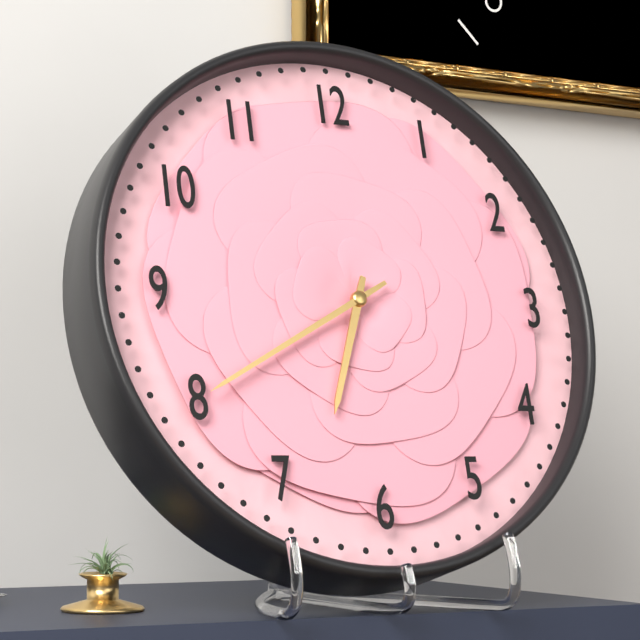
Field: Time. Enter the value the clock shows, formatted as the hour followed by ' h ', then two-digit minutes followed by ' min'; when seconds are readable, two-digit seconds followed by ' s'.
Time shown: 6 h 40 min
